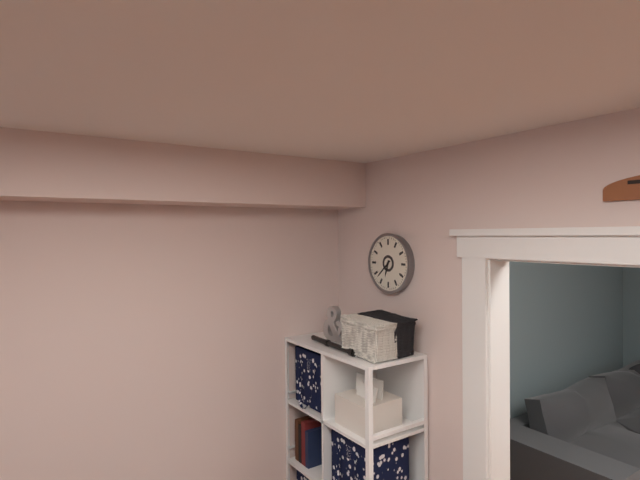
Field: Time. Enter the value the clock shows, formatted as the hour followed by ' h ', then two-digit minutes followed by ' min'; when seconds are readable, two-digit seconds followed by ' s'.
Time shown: 6 h 38 min
